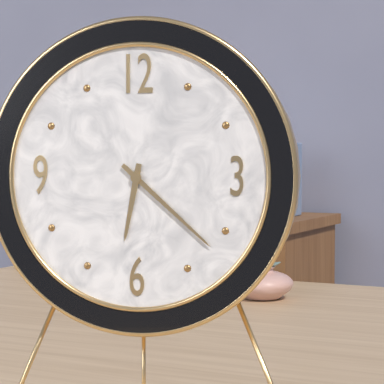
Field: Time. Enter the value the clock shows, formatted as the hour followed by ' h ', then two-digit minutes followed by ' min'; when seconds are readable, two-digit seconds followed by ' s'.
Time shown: 6 h 22 min
